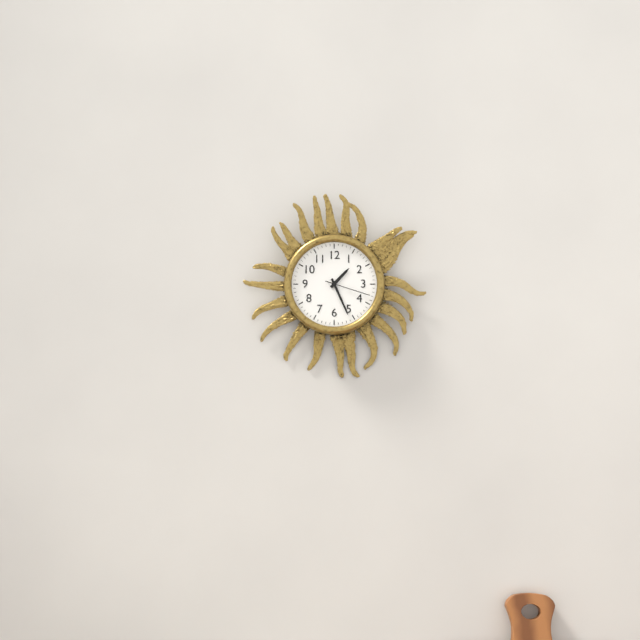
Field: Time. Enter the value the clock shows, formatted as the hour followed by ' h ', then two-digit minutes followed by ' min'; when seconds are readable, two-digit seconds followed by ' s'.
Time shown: 1 h 26 min
